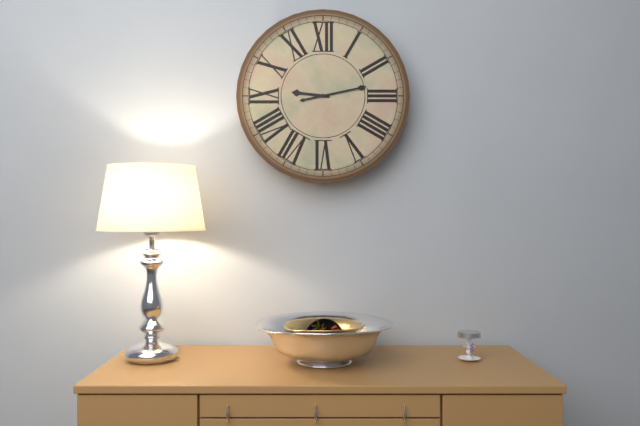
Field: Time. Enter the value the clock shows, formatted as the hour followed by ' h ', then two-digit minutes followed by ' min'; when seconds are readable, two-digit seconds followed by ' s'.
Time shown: 9 h 13 min
